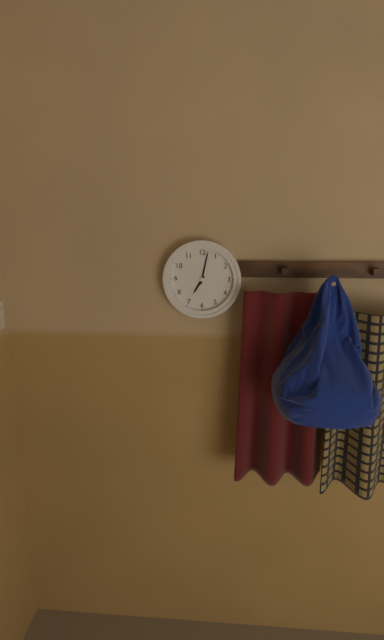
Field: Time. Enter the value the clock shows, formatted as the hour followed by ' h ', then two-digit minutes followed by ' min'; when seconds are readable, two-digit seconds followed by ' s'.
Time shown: 7 h 02 min
